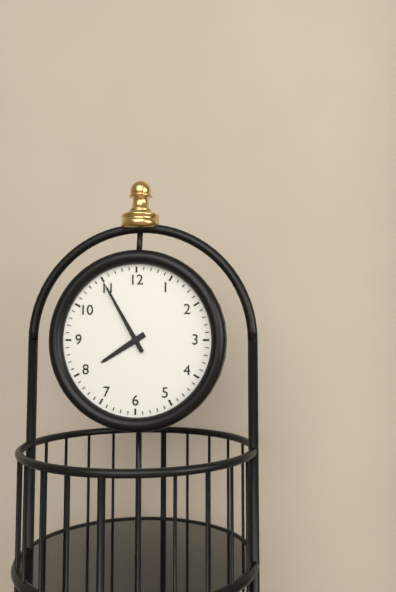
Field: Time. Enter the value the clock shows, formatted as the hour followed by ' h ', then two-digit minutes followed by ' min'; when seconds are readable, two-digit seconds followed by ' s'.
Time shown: 7 h 55 min
